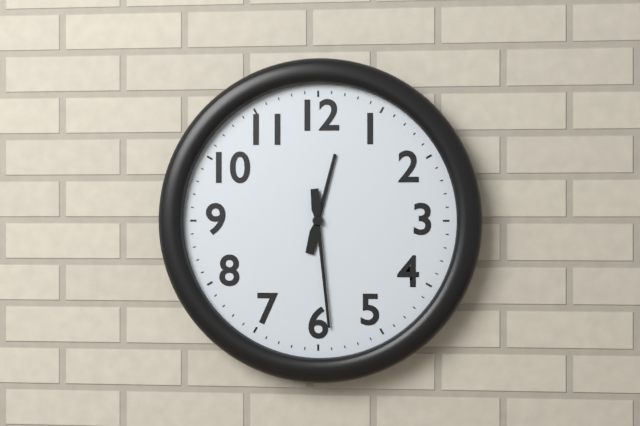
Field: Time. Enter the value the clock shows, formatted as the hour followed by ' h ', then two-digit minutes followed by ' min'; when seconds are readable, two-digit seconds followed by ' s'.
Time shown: 12 h 29 min
